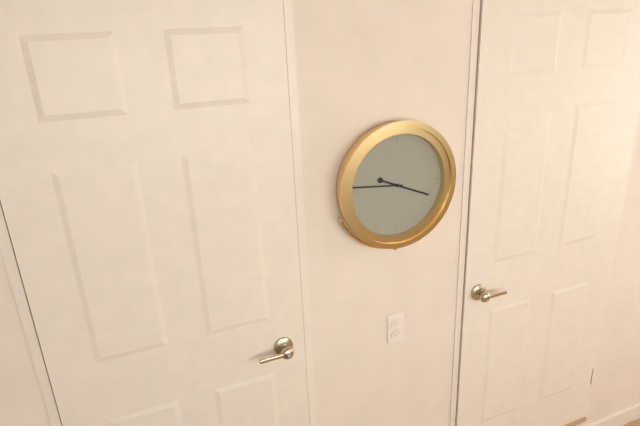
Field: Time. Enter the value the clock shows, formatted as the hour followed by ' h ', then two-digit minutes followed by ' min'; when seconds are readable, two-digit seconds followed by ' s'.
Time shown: 3 h 46 min
